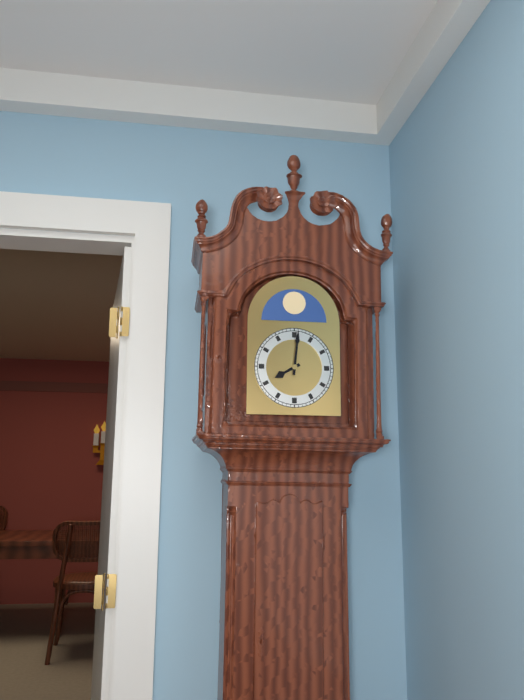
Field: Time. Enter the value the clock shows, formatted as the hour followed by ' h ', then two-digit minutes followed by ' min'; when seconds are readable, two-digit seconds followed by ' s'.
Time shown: 8 h 01 min
